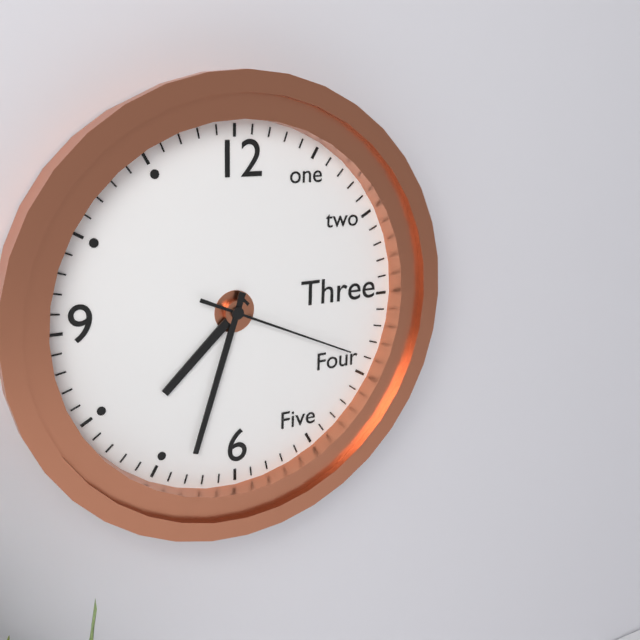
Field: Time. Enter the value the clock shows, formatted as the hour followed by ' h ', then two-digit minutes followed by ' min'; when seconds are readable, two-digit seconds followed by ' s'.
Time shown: 7 h 33 min 19 s
